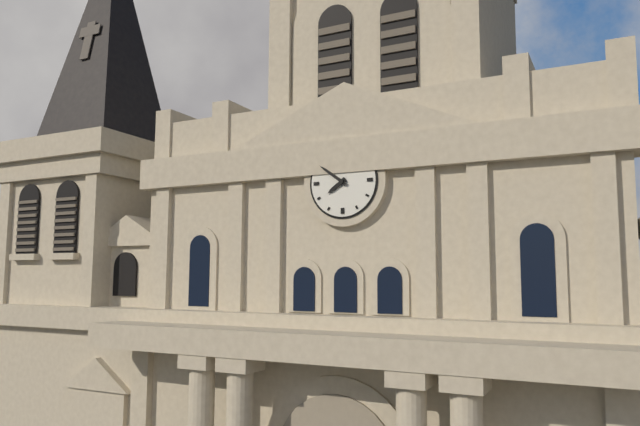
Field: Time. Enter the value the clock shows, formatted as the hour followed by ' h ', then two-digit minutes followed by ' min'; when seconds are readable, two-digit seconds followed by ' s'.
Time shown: 7 h 51 min
